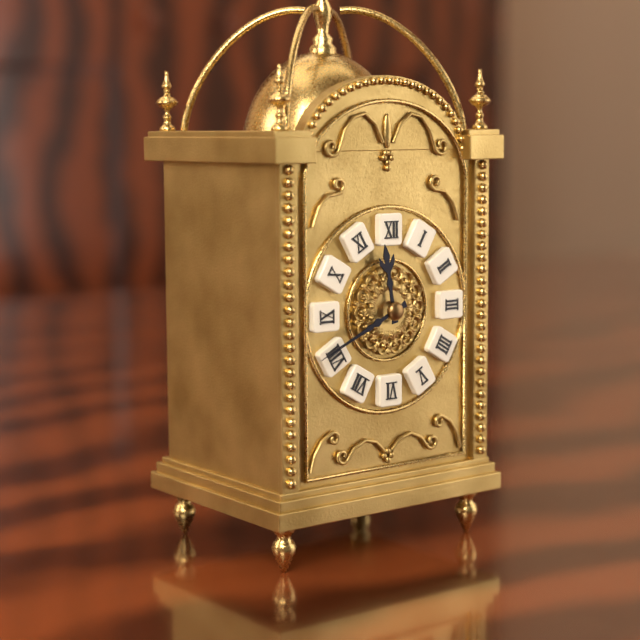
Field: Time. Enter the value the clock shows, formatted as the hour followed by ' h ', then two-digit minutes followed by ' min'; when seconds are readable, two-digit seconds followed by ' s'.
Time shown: 11 h 41 min
